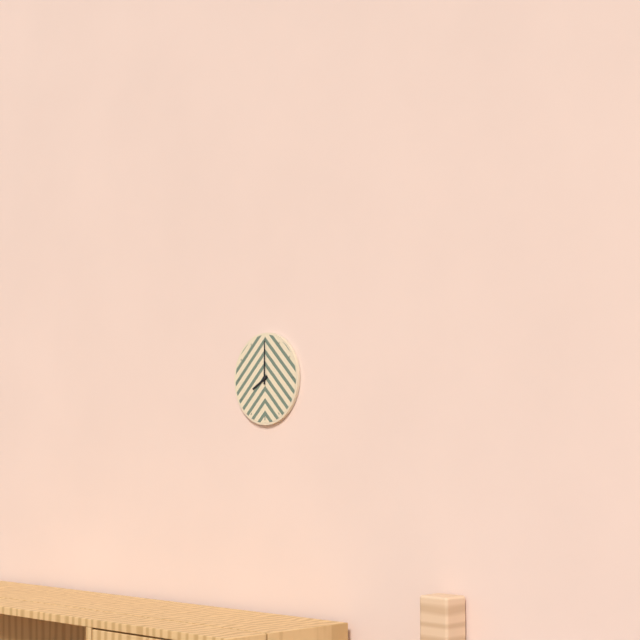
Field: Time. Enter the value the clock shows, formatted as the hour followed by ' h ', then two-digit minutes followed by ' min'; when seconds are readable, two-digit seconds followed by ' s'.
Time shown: 8 h 00 min
